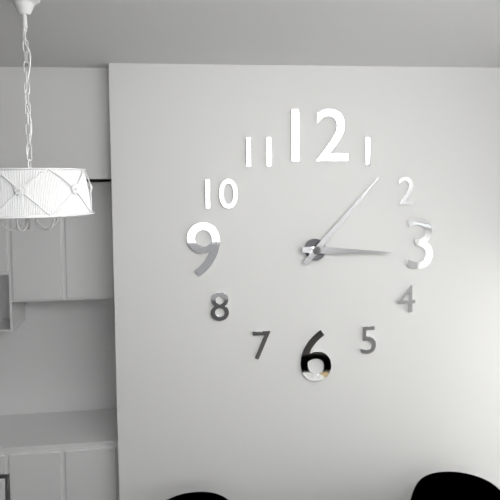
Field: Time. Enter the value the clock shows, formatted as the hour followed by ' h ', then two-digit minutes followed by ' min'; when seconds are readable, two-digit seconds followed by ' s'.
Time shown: 3 h 07 min
